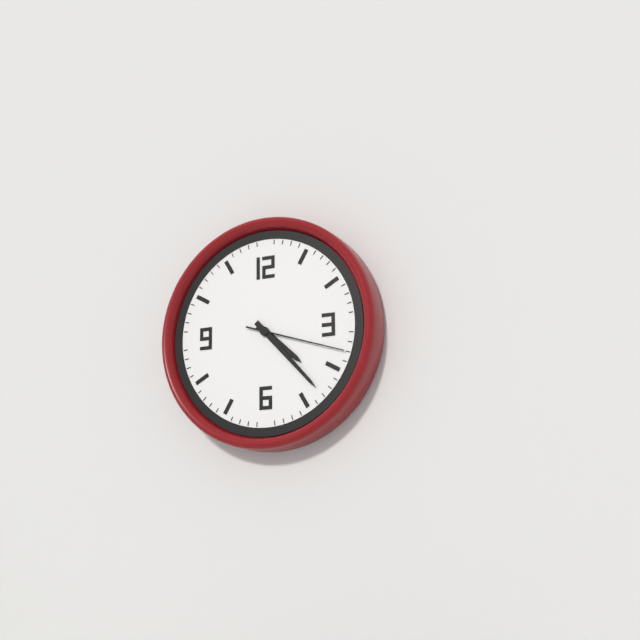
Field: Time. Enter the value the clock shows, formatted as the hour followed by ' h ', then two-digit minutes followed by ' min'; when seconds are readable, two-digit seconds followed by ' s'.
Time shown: 4 h 23 min 18 s
